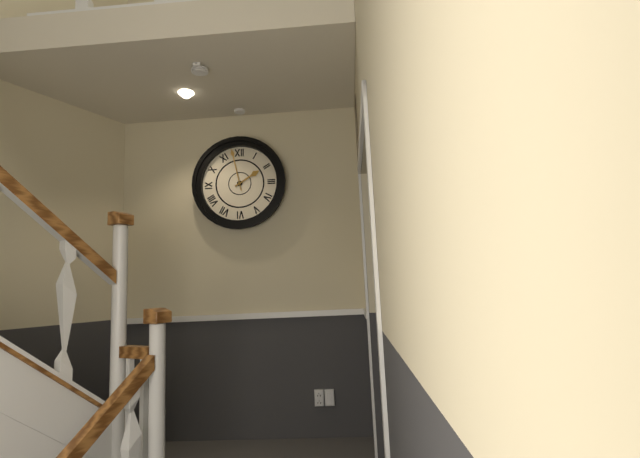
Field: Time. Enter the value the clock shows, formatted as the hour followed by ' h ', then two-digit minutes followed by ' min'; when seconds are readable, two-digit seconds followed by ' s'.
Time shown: 1 h 58 min
